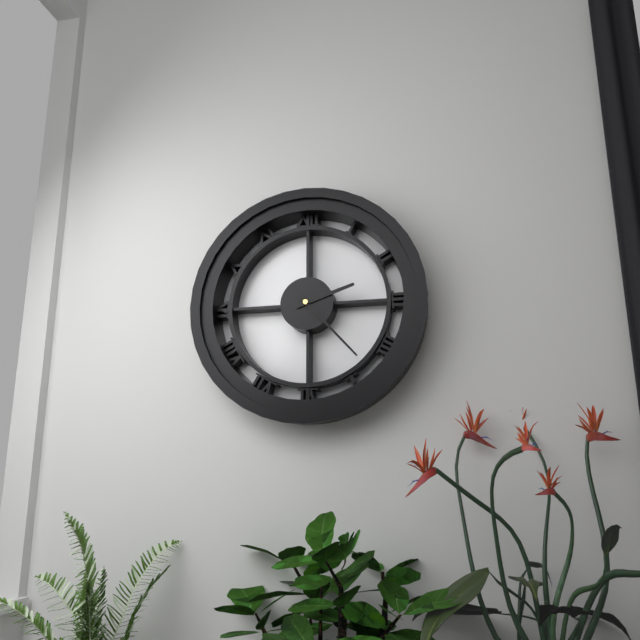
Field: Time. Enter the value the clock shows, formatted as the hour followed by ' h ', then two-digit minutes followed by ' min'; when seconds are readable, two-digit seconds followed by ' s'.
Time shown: 2 h 23 min
